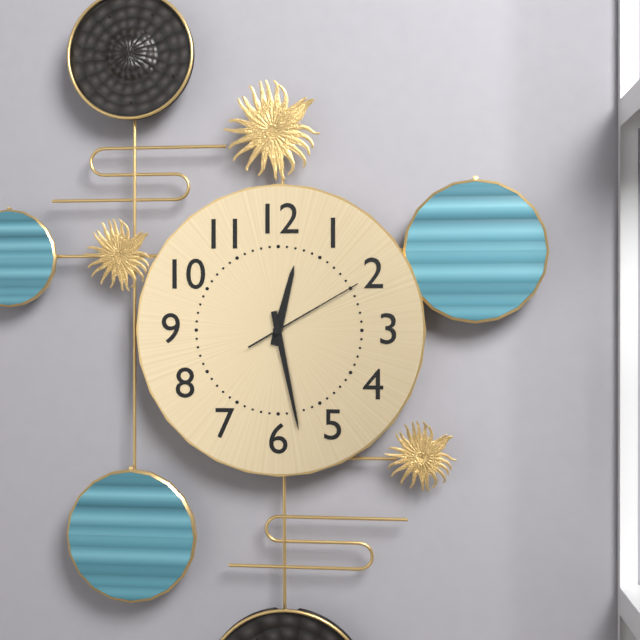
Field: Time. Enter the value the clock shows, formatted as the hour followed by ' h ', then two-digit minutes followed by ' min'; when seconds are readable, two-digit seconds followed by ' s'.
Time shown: 12 h 28 min 10 s
